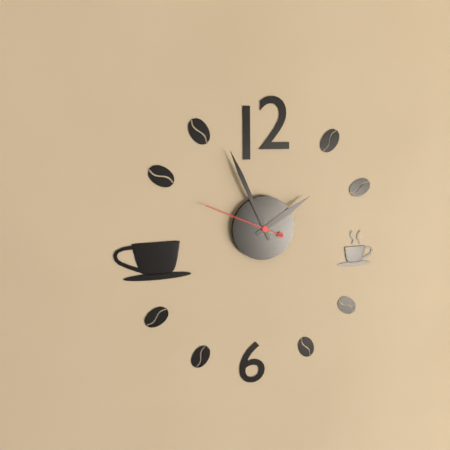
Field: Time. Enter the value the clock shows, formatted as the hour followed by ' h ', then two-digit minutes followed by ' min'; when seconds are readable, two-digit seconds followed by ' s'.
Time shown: 1 h 56 min 49 s
